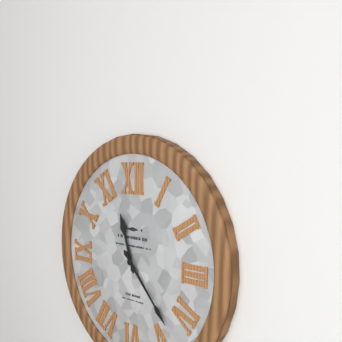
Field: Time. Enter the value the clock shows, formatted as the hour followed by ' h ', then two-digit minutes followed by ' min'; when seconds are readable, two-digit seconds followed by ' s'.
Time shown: 11 h 23 min
